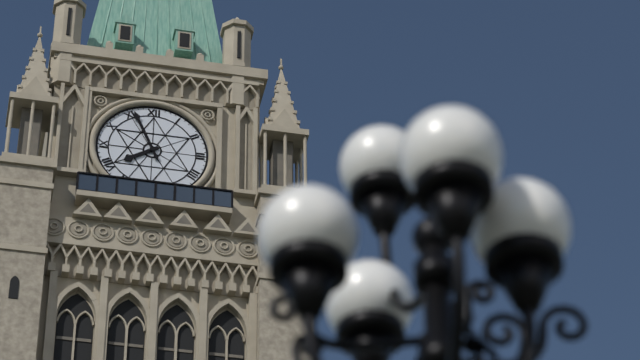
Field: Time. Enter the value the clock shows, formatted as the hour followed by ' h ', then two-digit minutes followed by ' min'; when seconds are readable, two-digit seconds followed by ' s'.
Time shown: 7 h 56 min
